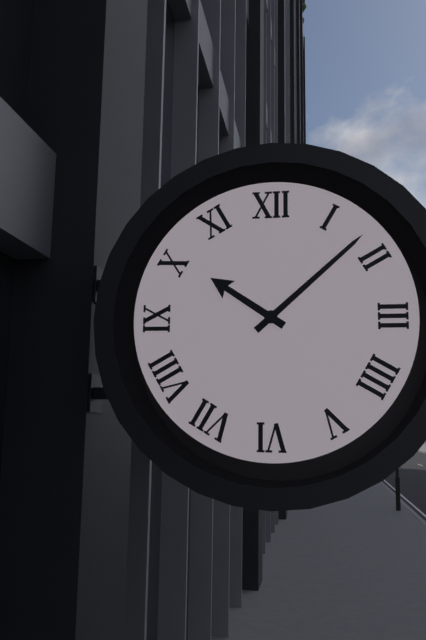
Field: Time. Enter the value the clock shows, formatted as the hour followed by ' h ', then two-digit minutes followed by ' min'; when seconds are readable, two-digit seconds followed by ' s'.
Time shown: 10 h 08 min
